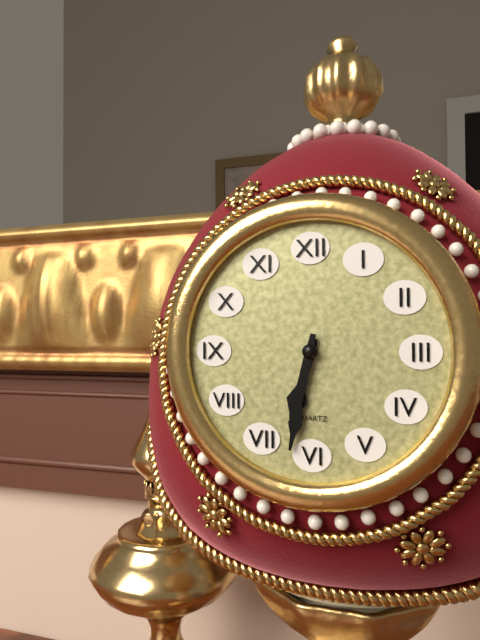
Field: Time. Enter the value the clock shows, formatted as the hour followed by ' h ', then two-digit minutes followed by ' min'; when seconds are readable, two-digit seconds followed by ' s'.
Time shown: 6 h 32 min
